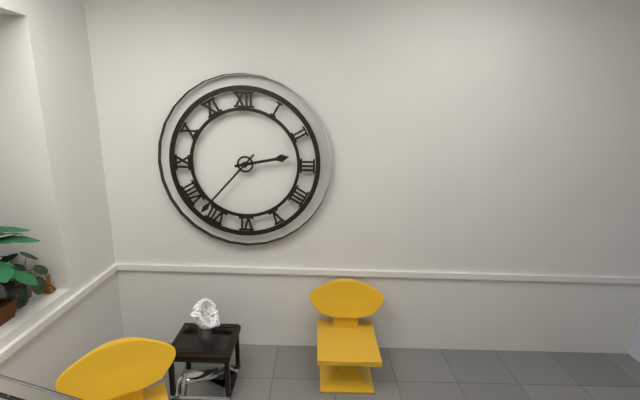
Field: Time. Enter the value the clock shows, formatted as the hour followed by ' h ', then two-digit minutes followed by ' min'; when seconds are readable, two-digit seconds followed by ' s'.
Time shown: 2 h 37 min
